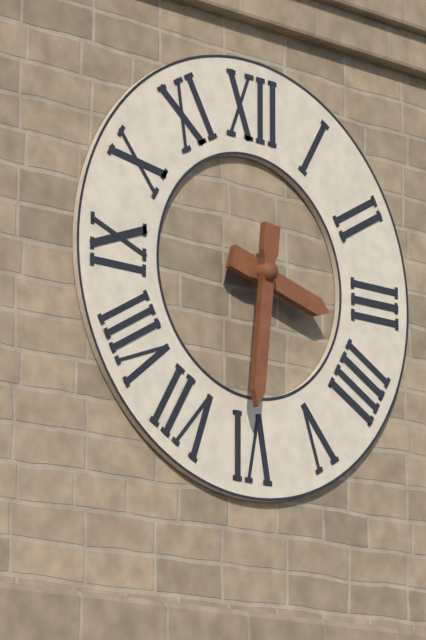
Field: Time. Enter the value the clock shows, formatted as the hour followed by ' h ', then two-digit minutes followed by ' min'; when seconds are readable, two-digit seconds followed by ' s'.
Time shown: 3 h 31 min
